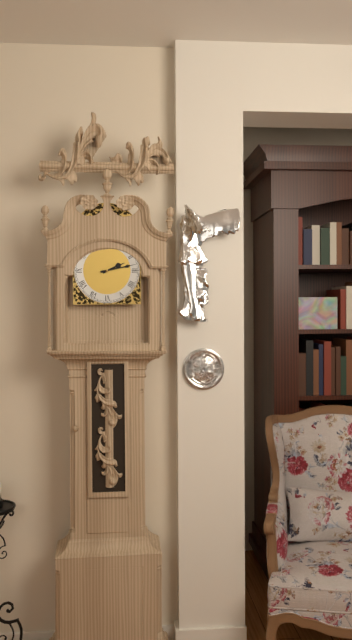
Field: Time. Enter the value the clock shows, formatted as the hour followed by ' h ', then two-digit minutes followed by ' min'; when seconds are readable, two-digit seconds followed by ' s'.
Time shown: 2 h 13 min
